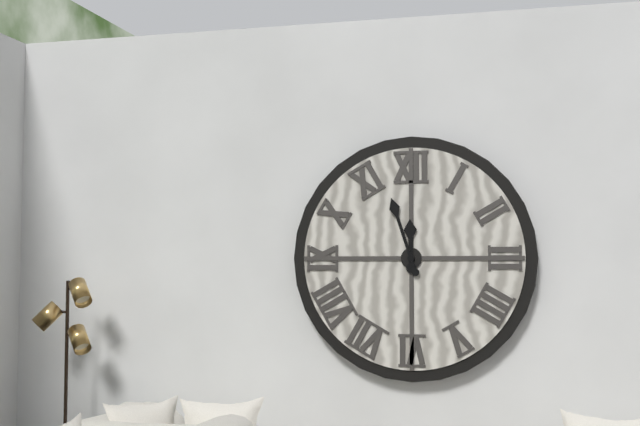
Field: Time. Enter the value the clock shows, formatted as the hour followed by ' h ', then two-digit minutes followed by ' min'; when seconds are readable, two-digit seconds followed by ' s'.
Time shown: 11 h 57 min
